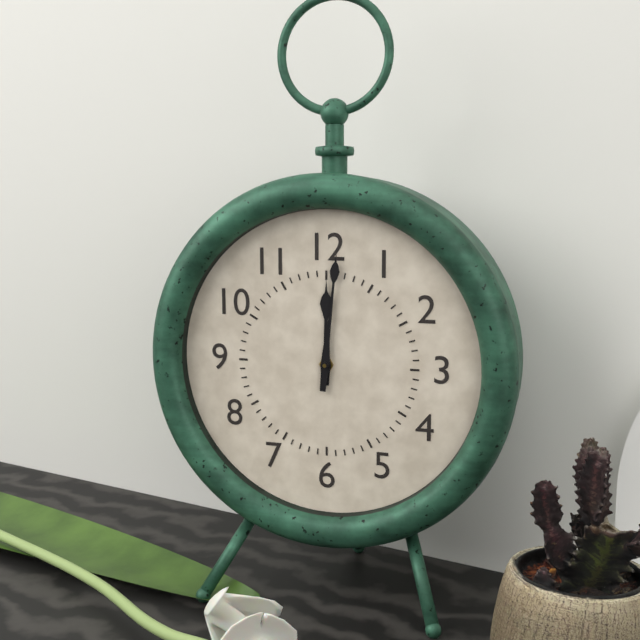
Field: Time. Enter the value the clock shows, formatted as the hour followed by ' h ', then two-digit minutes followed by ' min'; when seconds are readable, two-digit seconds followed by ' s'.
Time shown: 12 h 01 min
